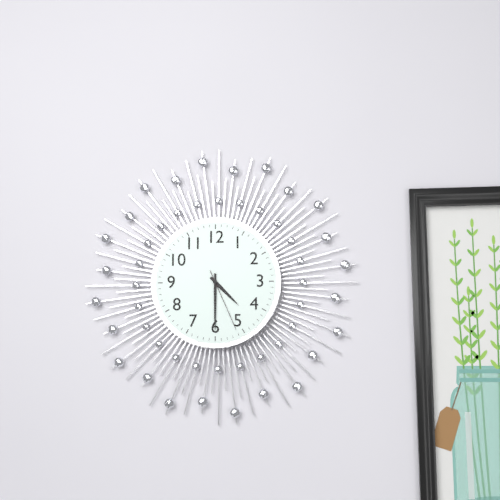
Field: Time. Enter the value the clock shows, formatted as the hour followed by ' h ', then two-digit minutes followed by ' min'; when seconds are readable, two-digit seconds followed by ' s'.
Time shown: 4 h 30 min 26 s
